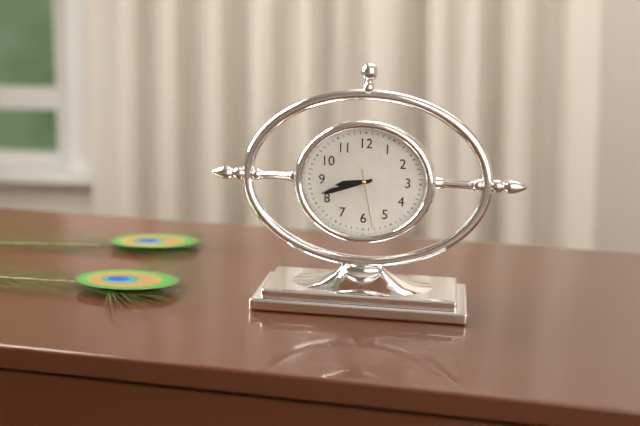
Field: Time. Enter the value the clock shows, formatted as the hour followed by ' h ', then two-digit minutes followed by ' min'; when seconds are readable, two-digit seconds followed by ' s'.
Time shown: 8 h 42 min 28 s
